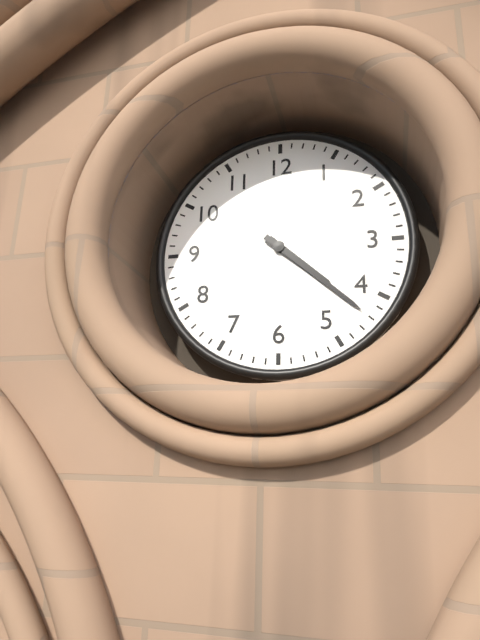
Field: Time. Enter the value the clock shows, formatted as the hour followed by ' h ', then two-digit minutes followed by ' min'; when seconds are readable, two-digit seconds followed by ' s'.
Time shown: 4 h 22 min
